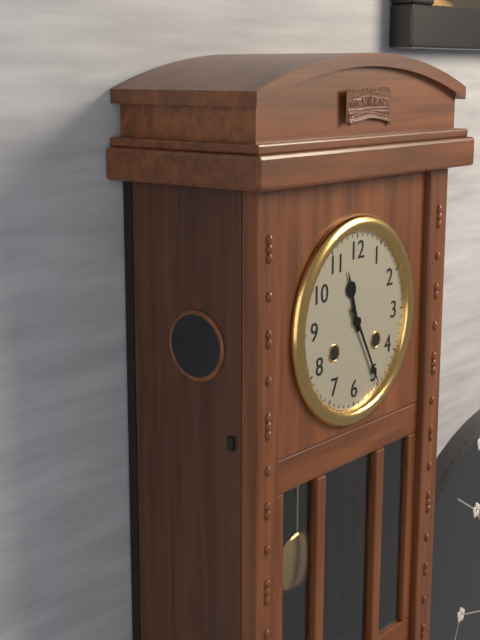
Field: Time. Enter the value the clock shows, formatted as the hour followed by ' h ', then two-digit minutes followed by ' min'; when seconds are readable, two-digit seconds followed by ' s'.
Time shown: 11 h 25 min
